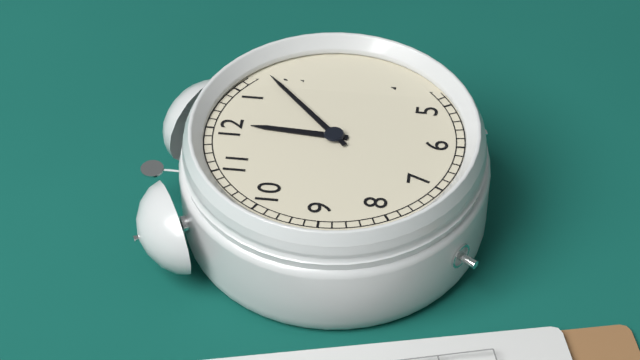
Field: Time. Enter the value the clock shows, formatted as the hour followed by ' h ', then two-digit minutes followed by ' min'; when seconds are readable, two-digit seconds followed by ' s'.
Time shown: 12 h 08 min
